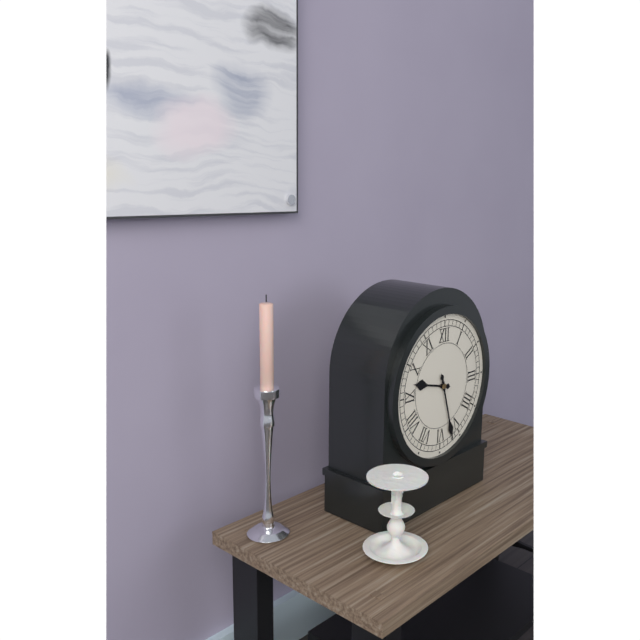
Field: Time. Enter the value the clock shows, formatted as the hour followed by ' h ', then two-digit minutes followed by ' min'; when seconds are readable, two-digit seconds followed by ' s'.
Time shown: 9 h 27 min
